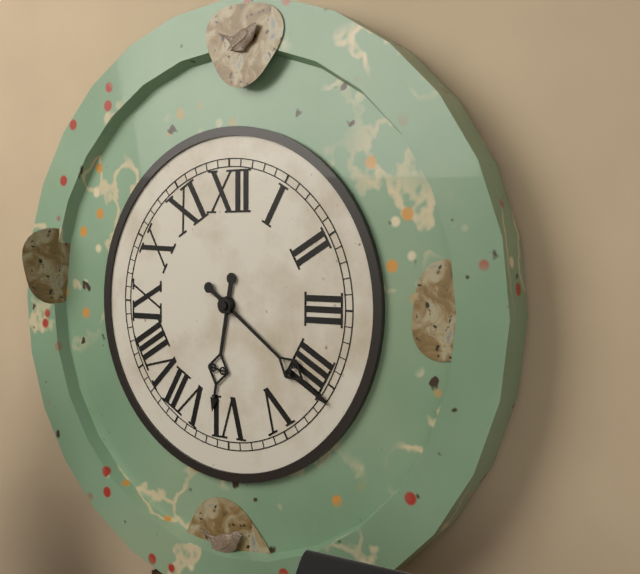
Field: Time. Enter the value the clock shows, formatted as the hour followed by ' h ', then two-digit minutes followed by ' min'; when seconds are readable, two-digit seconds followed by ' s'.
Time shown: 6 h 21 min
